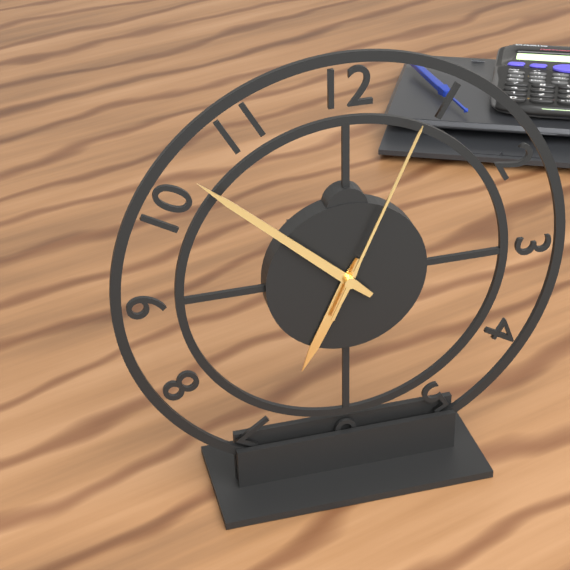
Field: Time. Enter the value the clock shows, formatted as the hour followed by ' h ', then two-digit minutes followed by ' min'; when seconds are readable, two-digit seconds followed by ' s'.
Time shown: 6 h 52 min 04 s
